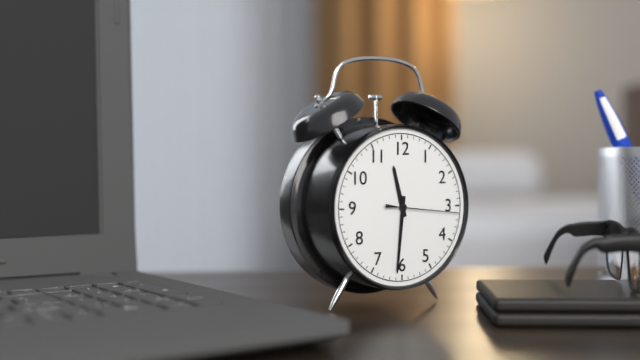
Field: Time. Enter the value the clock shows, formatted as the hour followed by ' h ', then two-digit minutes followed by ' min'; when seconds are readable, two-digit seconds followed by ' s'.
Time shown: 11 h 31 min 16 s
